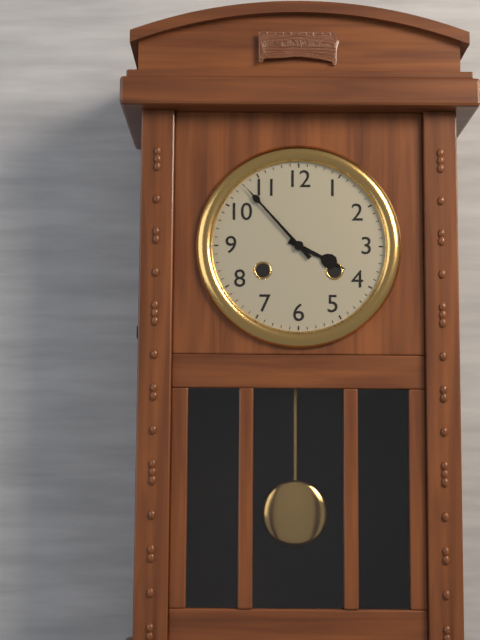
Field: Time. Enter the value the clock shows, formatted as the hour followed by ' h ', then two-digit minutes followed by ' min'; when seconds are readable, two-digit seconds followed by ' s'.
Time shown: 3 h 53 min
